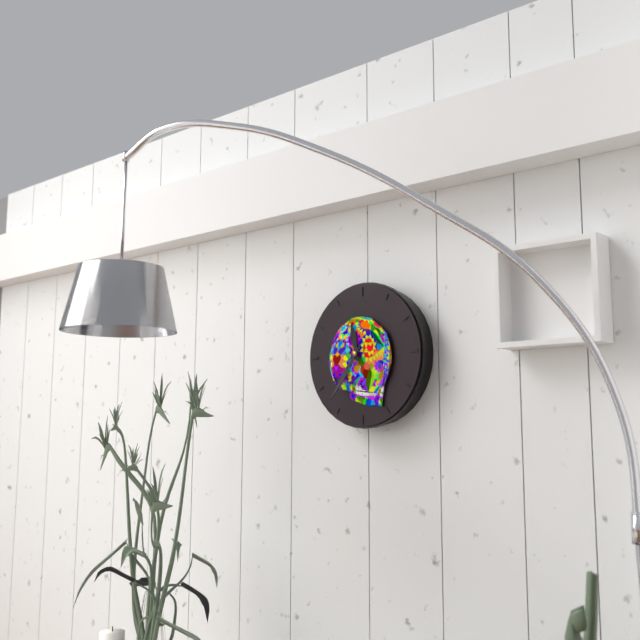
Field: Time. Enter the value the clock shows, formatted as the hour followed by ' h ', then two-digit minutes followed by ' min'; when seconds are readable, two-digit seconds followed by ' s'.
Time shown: 11 h 36 min
